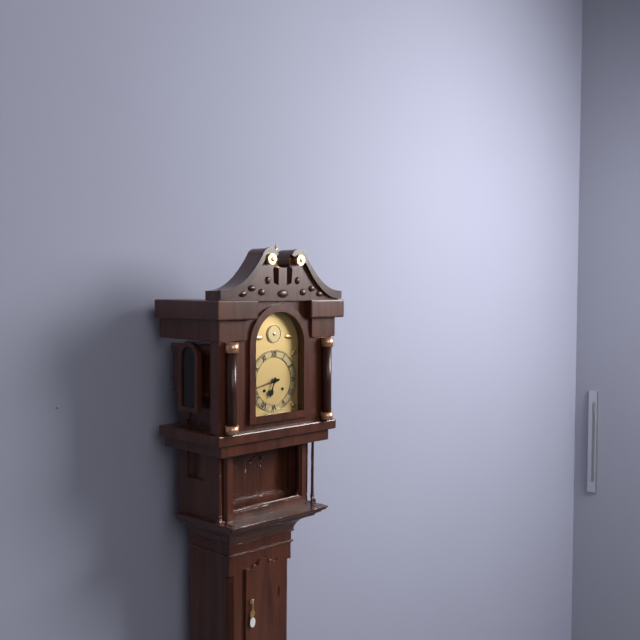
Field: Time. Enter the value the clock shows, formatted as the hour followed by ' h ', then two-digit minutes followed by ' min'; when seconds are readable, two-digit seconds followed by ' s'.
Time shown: 6 h 43 min
